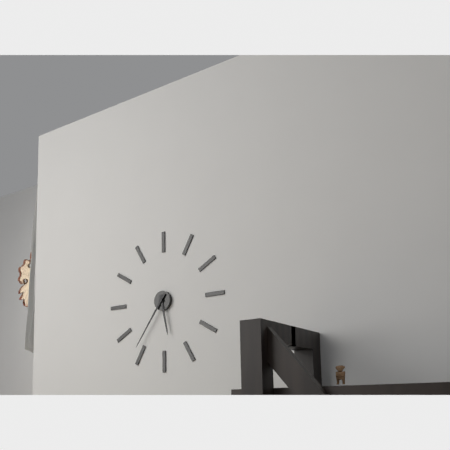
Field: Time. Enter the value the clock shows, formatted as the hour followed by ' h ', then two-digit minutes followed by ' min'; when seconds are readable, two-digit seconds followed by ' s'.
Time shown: 5 h 36 min
